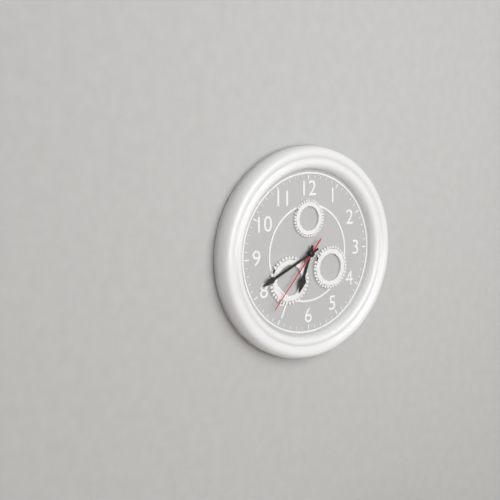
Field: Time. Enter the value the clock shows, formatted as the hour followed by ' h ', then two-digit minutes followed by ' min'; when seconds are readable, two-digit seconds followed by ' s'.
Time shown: 6 h 41 min 37 s
